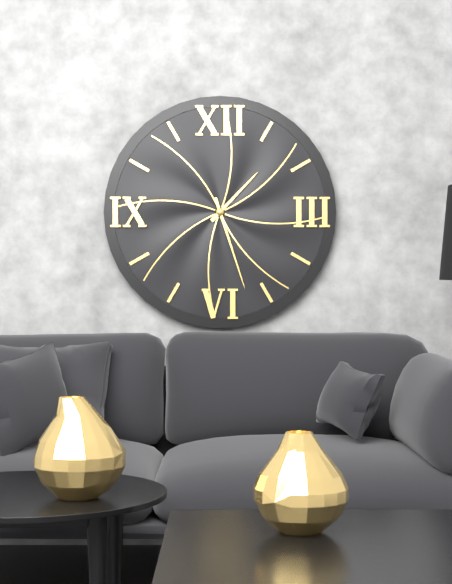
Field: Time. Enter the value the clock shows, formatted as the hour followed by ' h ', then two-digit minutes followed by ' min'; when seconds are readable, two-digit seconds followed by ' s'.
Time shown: 1 h 27 min
